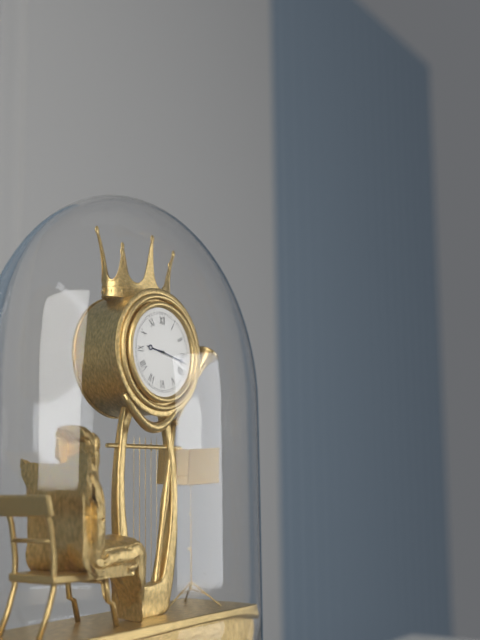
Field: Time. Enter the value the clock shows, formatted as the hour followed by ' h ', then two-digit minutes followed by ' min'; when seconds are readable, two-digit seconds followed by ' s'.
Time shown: 9 h 17 min
